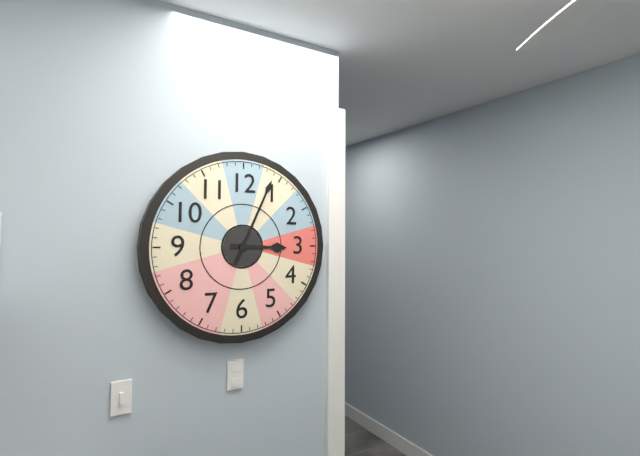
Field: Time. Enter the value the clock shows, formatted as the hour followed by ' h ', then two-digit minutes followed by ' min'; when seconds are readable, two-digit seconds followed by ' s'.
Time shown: 3 h 04 min
